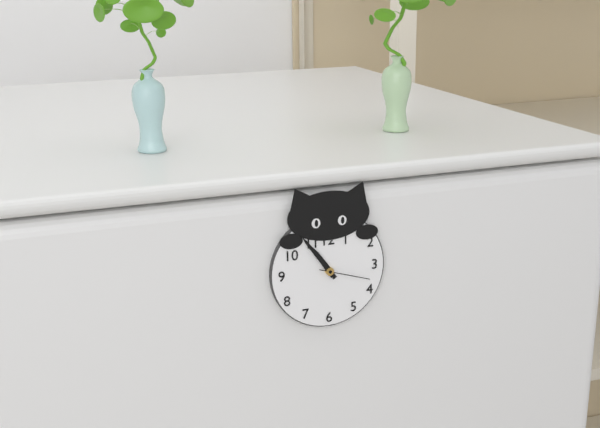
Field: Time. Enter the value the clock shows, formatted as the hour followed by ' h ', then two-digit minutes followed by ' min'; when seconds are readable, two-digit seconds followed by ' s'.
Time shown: 10 h 54 min 18 s
